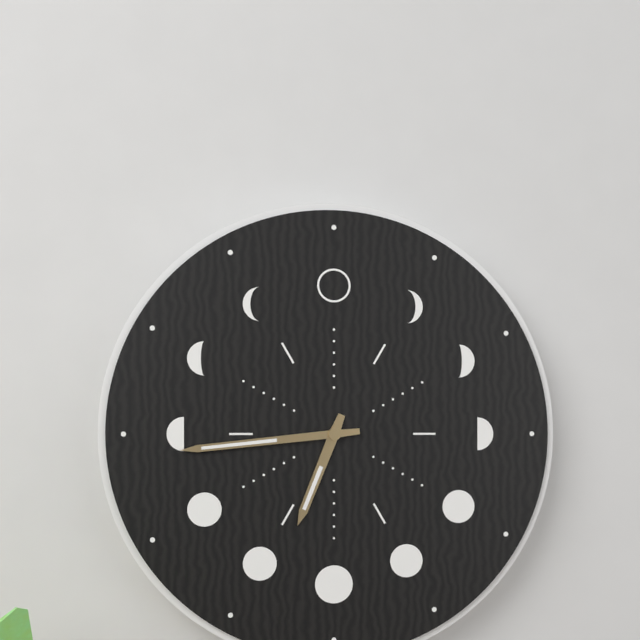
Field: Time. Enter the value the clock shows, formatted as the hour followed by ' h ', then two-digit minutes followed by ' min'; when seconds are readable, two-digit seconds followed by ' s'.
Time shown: 6 h 44 min
